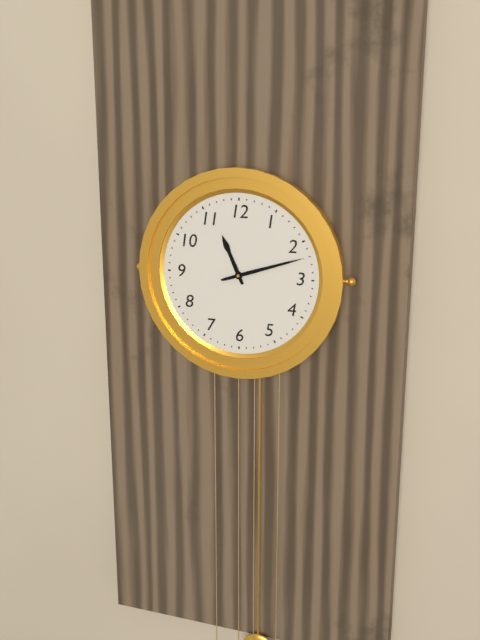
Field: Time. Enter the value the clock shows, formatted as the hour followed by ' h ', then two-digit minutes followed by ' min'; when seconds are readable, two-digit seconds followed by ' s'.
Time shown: 11 h 12 min
